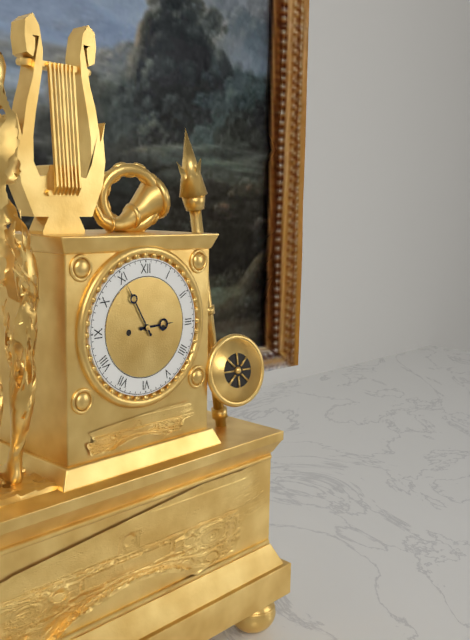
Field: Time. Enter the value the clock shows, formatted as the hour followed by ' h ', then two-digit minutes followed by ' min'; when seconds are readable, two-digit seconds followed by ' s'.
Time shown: 2 h 55 min
